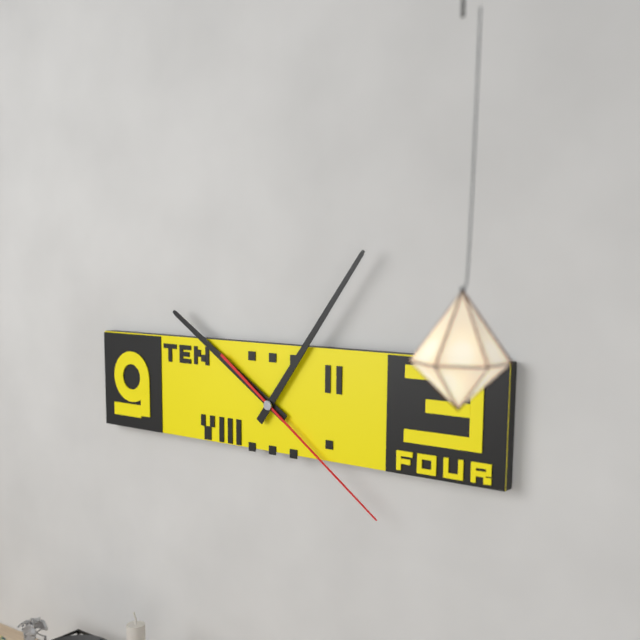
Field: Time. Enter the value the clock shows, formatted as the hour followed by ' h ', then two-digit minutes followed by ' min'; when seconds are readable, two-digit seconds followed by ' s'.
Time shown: 10 h 06 min 21 s
